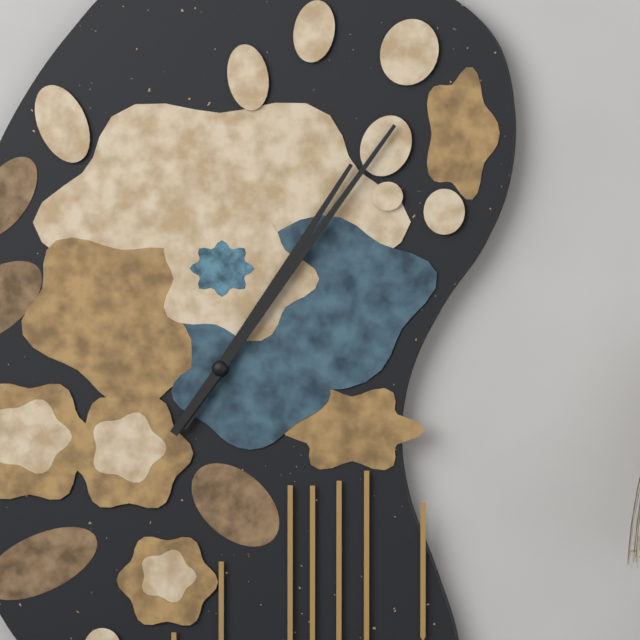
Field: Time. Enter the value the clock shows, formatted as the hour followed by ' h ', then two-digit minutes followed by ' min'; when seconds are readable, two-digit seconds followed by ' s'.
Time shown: 1 h 06 min
